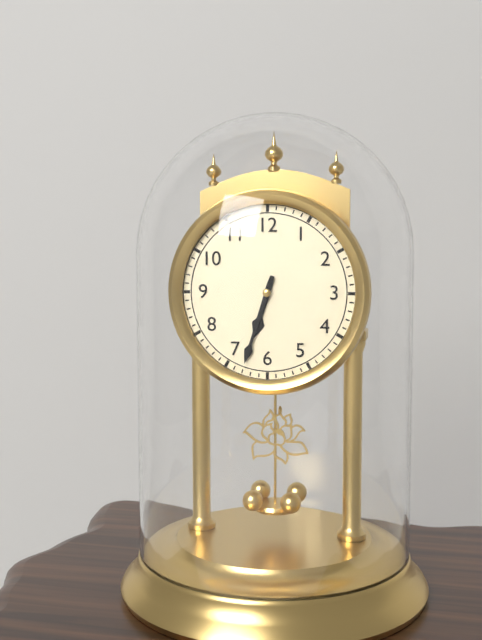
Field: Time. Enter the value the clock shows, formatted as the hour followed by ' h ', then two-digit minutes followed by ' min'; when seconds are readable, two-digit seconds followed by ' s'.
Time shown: 6 h 33 min
